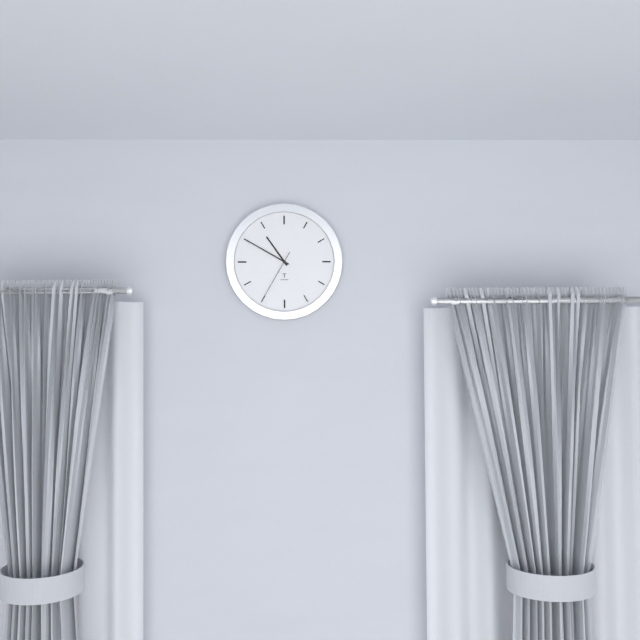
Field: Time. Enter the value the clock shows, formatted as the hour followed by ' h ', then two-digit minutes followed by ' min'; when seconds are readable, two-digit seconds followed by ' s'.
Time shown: 10 h 50 min 35 s
